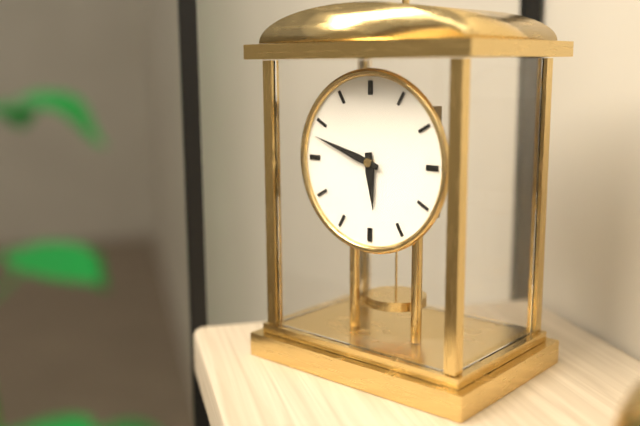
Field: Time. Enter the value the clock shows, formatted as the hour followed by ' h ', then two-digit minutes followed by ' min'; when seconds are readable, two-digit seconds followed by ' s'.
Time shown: 5 h 48 min
